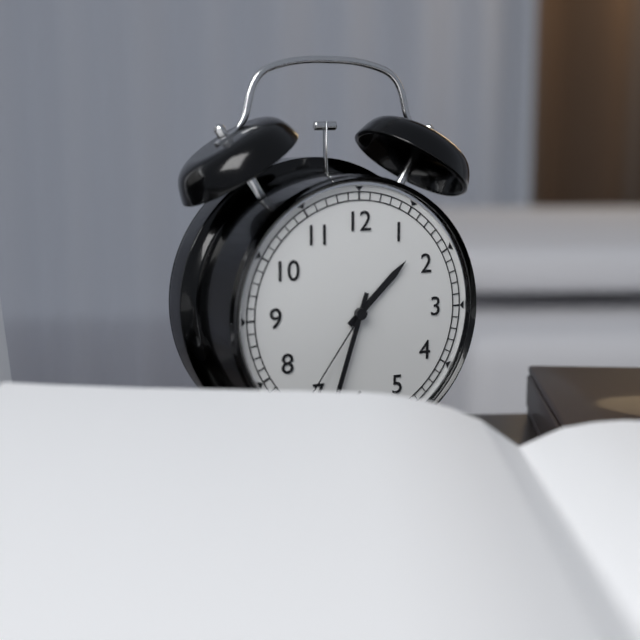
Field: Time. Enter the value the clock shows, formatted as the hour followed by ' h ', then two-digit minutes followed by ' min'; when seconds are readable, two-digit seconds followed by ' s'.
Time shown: 1 h 33 min 36 s
